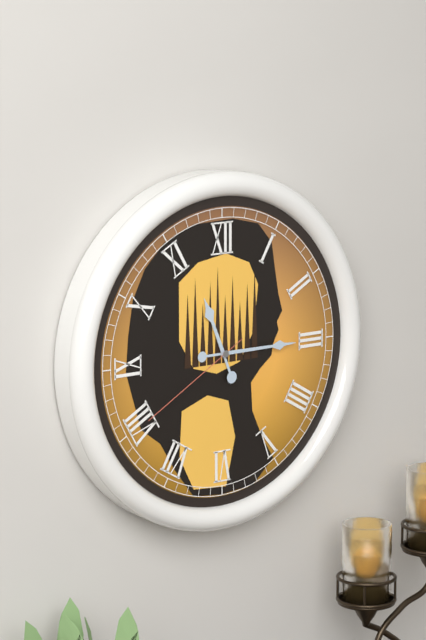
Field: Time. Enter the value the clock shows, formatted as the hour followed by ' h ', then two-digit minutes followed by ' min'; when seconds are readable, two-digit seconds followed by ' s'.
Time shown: 11 h 15 min 40 s
